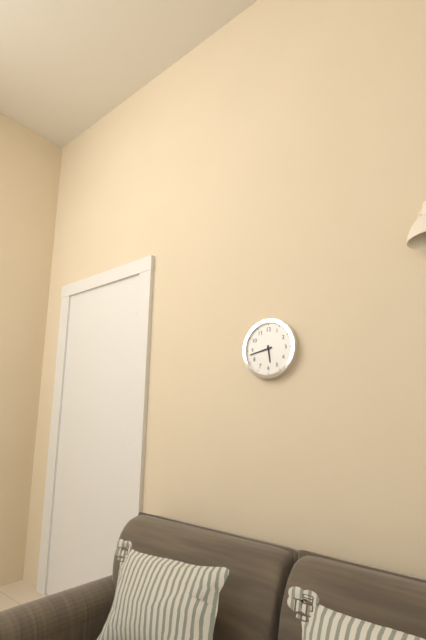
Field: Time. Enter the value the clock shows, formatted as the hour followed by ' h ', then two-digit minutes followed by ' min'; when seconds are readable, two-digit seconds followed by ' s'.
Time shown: 5 h 43 min
